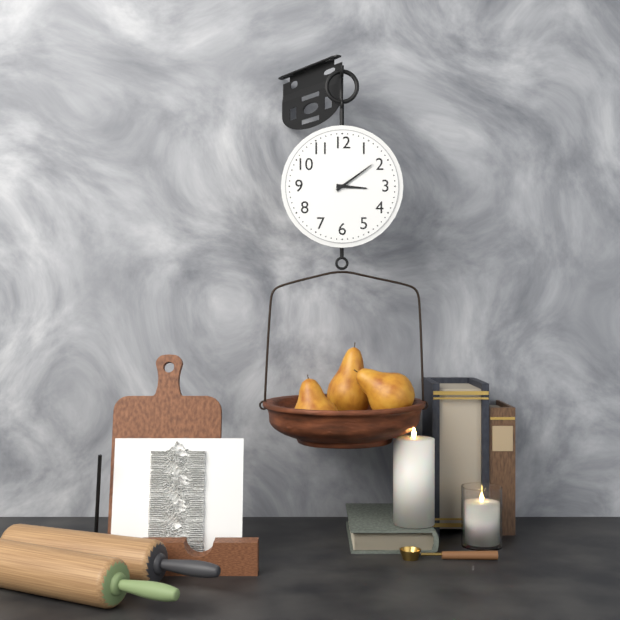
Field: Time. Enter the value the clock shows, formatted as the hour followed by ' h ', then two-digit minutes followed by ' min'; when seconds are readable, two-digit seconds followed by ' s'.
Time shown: 3 h 09 min
